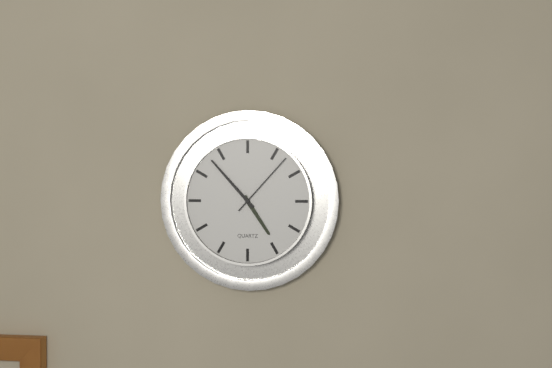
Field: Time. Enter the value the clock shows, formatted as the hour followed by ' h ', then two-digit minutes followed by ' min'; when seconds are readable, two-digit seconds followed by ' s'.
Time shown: 4 h 53 min 07 s
